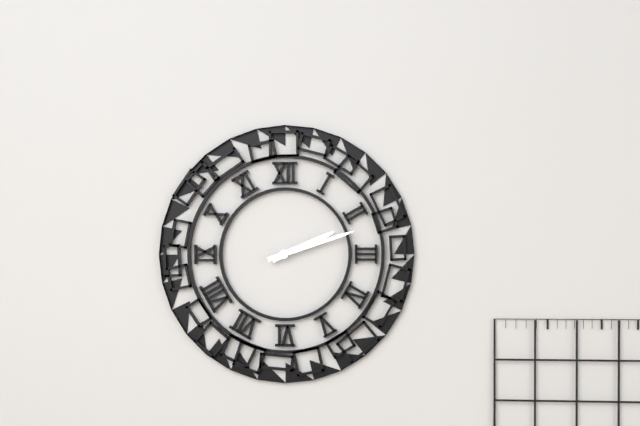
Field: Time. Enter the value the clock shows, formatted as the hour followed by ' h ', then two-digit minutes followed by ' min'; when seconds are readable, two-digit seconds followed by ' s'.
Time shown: 2 h 12 min
